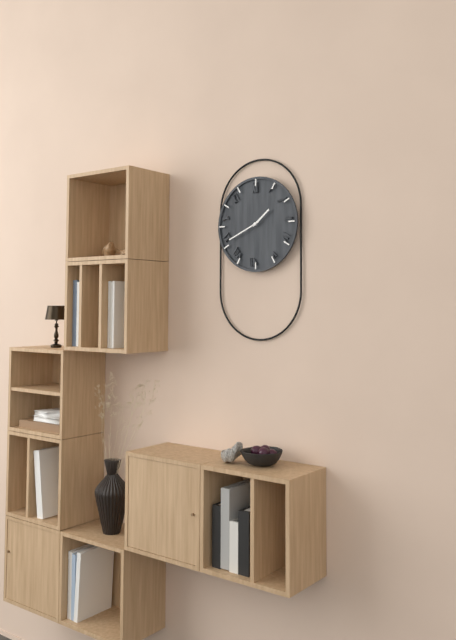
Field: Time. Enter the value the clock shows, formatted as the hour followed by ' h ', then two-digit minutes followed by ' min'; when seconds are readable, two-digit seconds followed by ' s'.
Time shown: 1 h 41 min
